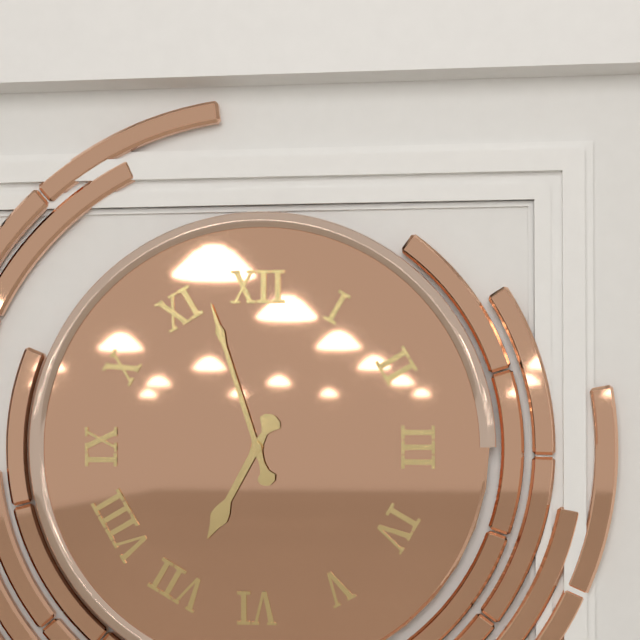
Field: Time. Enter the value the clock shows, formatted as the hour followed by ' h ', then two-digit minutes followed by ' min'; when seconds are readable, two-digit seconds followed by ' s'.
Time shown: 6 h 57 min
